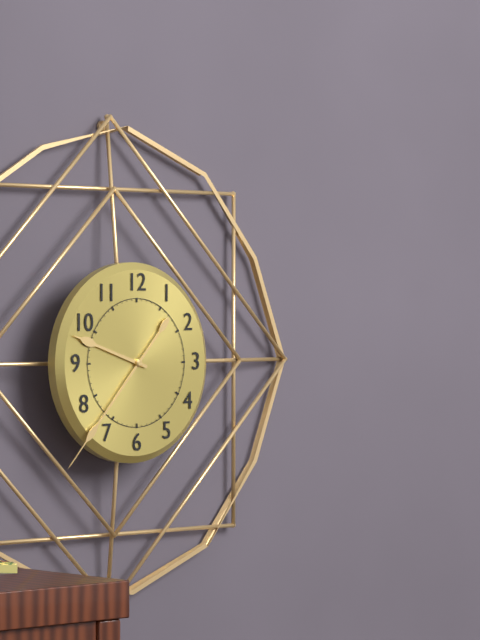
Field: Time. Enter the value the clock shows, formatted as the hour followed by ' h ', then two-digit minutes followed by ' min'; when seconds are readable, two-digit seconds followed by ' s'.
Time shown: 9 h 37 min
